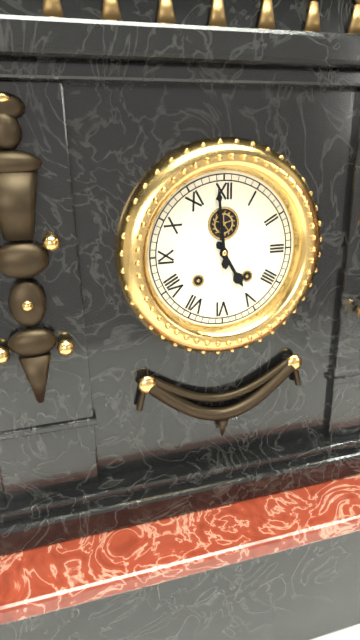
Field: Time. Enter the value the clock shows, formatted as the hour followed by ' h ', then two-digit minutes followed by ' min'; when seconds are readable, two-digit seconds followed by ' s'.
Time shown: 4 h 59 min
